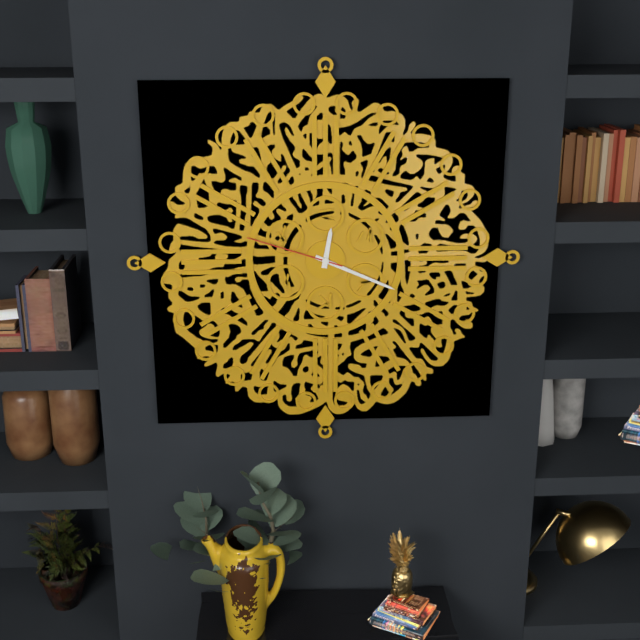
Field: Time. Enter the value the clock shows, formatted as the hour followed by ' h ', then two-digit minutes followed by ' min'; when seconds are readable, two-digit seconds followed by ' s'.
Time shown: 12 h 19 min 48 s
